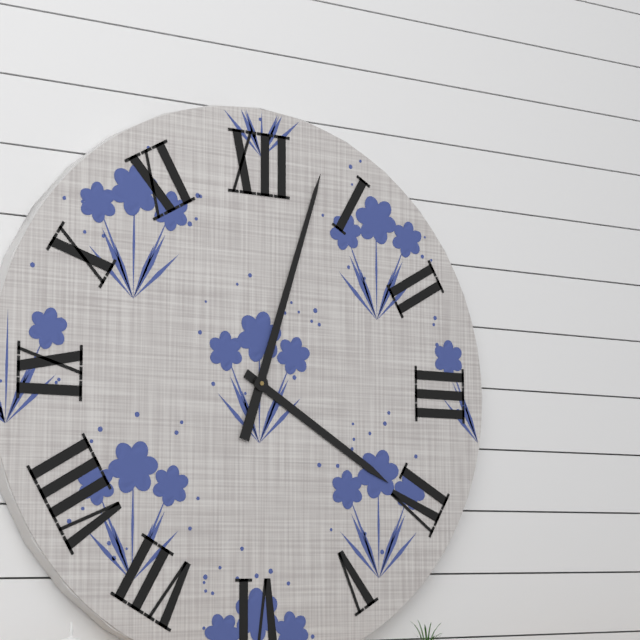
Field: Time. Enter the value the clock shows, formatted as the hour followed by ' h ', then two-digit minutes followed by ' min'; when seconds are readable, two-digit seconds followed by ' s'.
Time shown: 4 h 03 min
